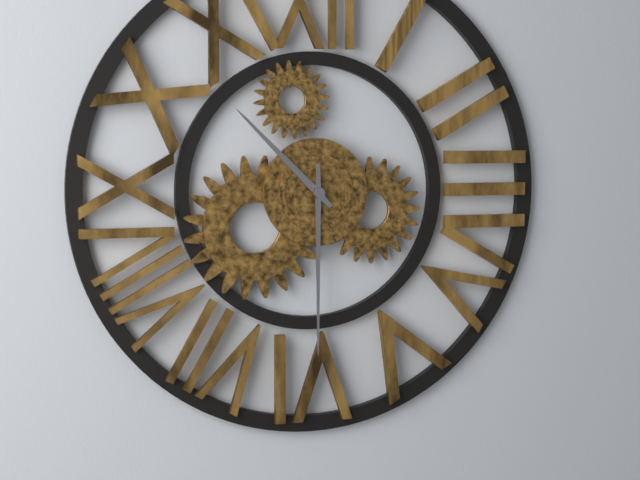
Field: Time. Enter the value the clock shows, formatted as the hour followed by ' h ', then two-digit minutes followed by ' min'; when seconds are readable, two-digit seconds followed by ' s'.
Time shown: 10 h 30 min
